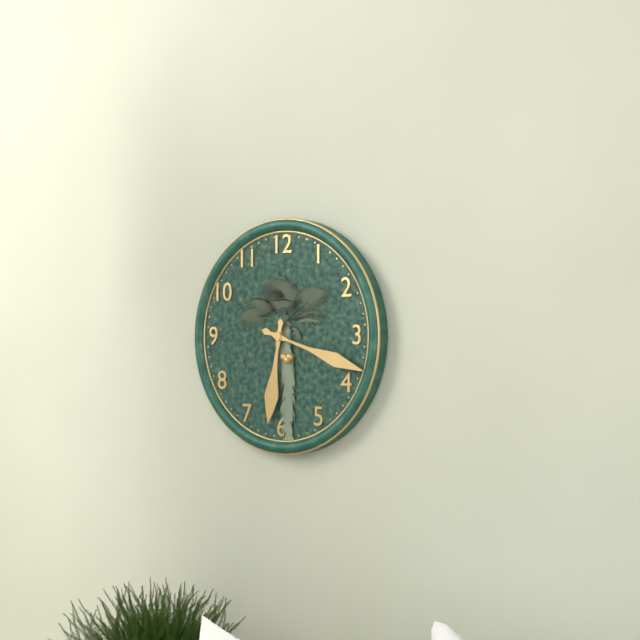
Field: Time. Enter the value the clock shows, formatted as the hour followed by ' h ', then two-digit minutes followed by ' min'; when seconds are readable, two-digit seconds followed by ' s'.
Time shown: 6 h 18 min
